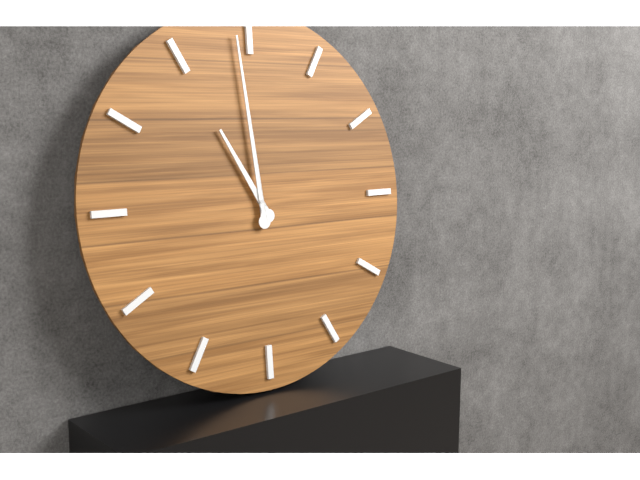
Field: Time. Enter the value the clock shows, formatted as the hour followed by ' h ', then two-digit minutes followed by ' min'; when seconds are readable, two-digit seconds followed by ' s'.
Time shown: 10 h 59 min
